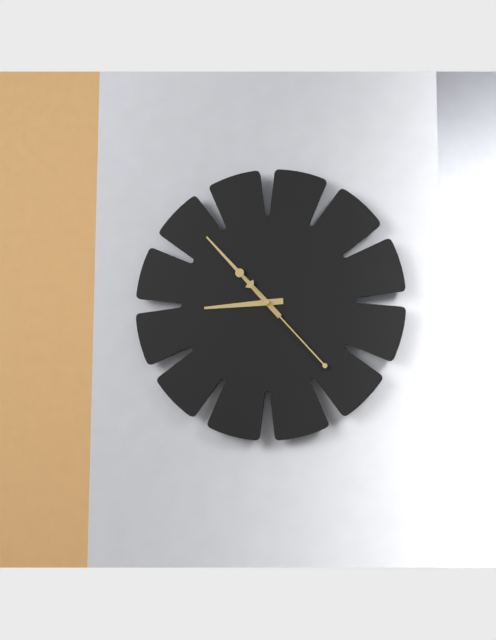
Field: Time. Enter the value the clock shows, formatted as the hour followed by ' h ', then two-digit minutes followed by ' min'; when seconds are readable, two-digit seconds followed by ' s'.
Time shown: 8 h 53 min 23 s
